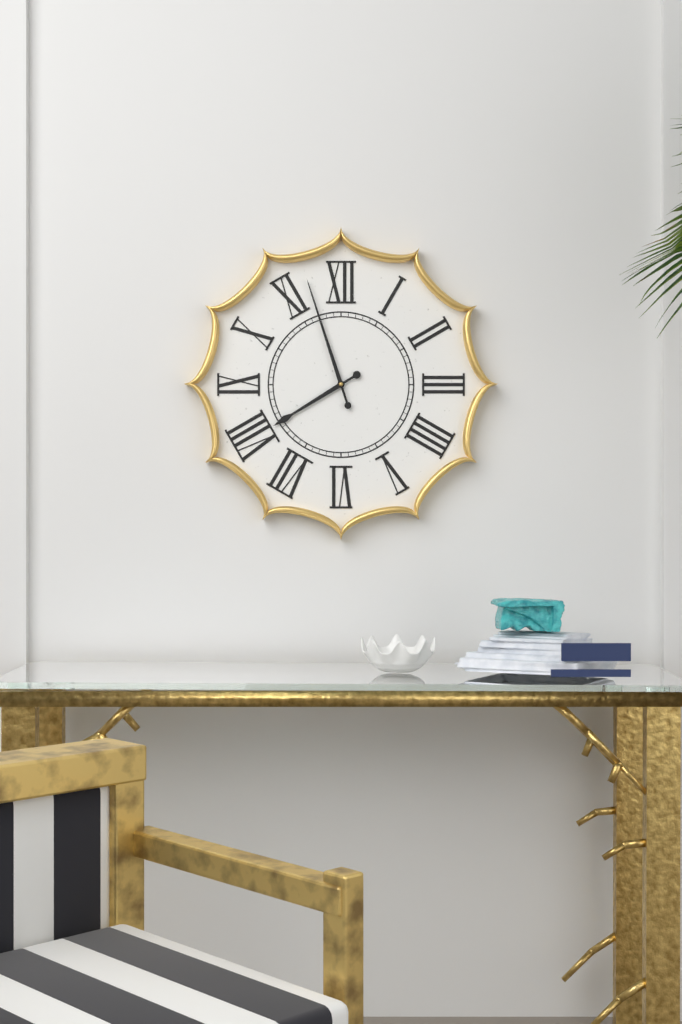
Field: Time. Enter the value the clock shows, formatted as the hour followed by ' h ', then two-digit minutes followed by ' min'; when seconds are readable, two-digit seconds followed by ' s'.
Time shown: 7 h 57 min
